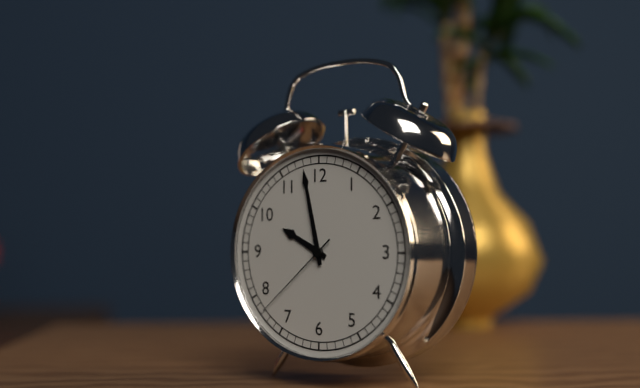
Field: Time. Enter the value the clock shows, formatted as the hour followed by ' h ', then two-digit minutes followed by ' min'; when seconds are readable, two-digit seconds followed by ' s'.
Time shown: 9 h 58 min 38 s
